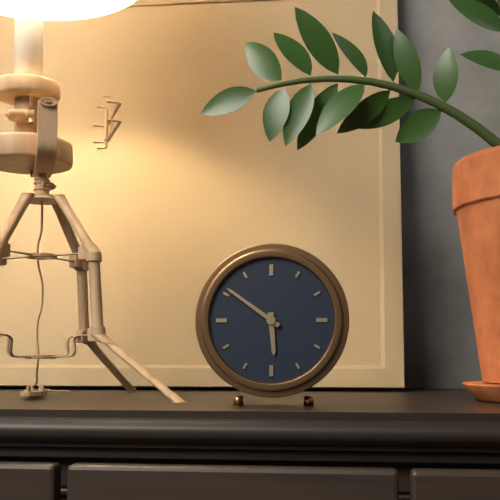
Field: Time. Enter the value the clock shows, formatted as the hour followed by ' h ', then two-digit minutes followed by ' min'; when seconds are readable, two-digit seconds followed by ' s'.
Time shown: 5 h 51 min
